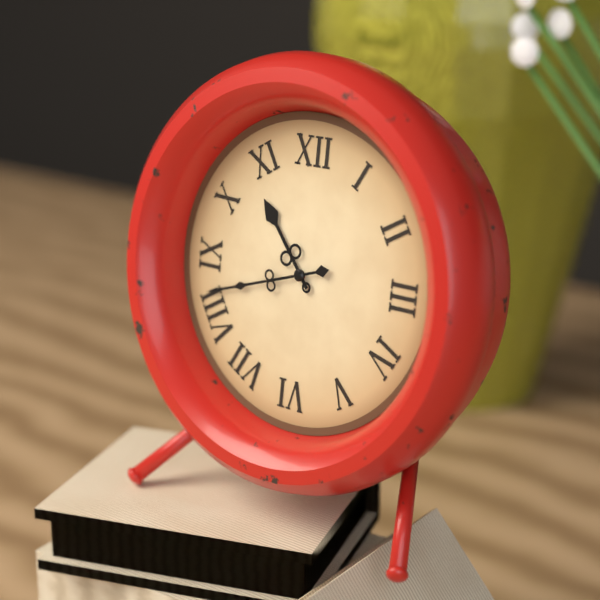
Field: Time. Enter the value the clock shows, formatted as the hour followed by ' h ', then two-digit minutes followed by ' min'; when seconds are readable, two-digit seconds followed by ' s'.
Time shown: 10 h 42 min
